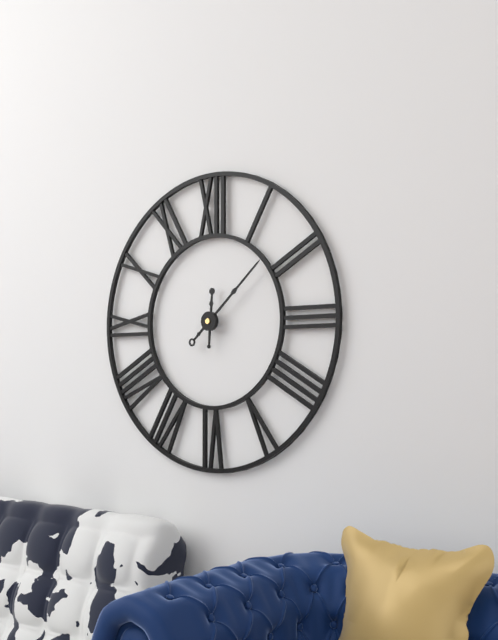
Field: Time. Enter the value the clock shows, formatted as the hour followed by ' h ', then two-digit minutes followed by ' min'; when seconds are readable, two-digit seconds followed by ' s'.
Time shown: 12 h 08 min
